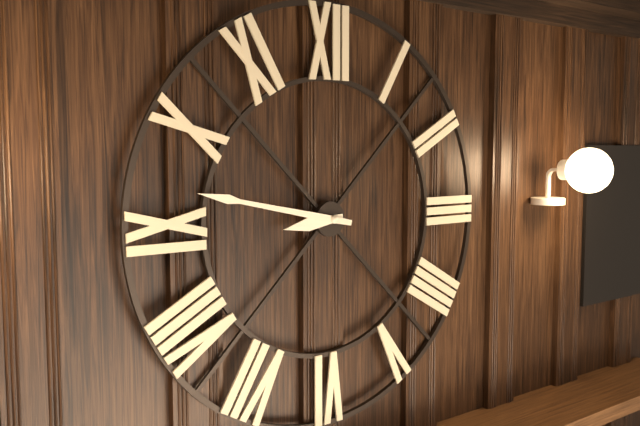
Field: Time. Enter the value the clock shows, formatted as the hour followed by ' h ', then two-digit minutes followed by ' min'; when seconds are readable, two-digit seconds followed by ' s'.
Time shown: 8 h 47 min
